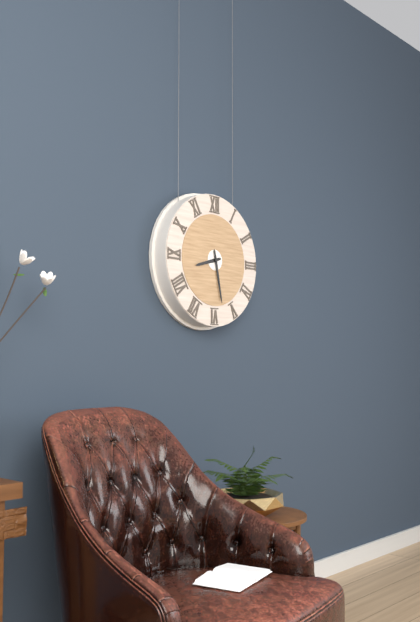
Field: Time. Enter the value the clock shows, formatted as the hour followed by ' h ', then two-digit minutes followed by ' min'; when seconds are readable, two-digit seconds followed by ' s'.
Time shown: 8 h 28 min
